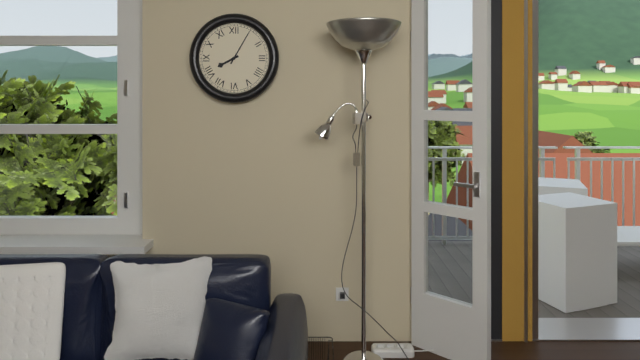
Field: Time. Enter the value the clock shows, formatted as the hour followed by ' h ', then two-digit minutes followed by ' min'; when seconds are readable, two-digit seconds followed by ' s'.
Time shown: 8 h 05 min
